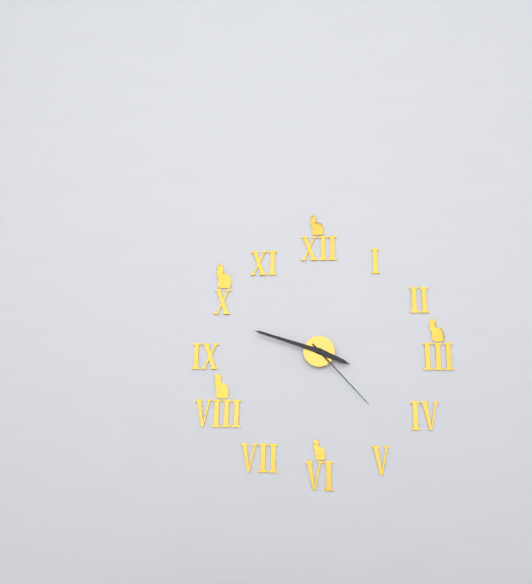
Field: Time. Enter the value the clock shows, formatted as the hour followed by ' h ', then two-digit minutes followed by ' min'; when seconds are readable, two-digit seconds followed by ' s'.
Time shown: 3 h 48 min 23 s
